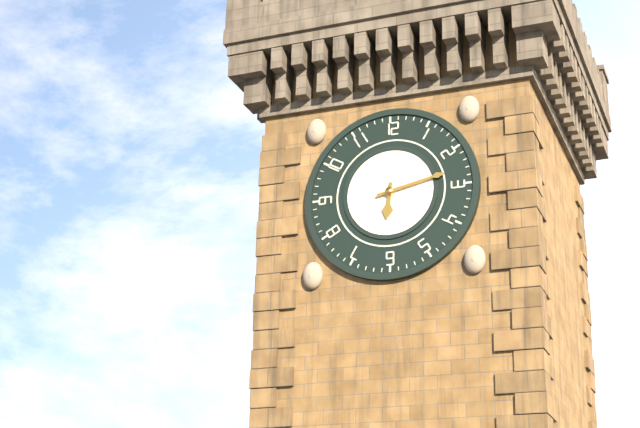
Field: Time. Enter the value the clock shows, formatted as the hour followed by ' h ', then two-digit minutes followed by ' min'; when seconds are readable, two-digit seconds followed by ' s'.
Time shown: 6 h 13 min
